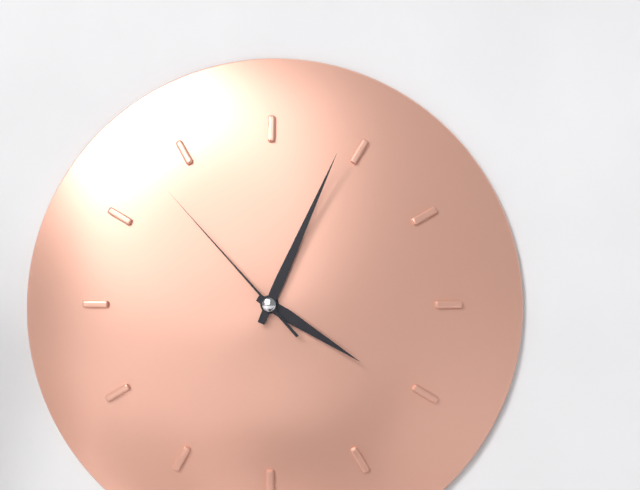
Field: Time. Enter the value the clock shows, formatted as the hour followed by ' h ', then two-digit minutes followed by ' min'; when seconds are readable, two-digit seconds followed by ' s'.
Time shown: 4 h 04 min 53 s
